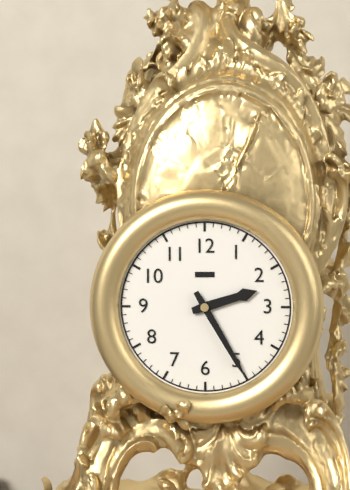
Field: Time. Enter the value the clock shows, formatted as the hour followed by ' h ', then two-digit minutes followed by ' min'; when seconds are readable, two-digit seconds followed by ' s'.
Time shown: 2 h 25 min
